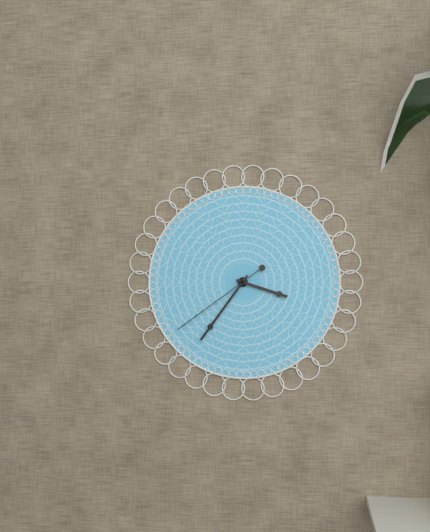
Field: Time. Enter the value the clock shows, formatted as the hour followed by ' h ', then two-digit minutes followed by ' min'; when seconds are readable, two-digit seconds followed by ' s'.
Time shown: 3 h 36 min 39 s
